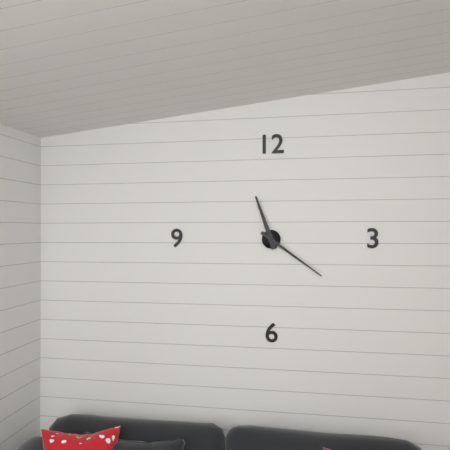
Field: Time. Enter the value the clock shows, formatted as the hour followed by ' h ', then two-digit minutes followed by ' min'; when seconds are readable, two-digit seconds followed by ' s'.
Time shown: 11 h 21 min
